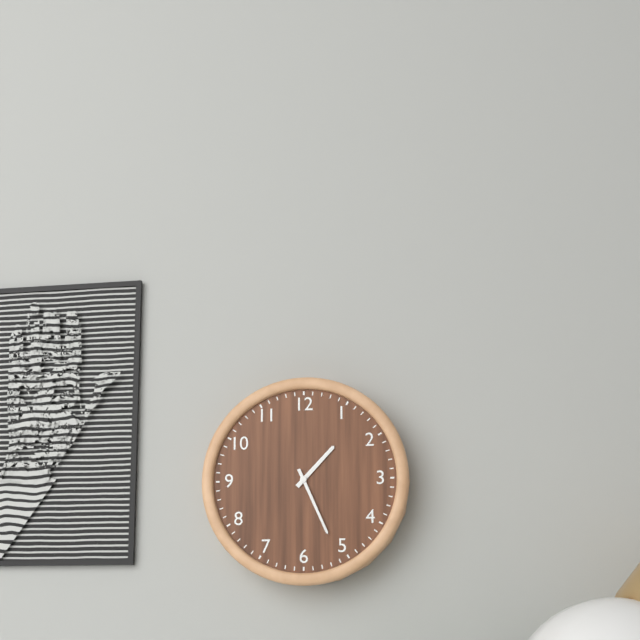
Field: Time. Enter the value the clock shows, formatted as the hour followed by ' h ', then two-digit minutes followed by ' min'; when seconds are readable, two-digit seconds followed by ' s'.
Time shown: 1 h 26 min
